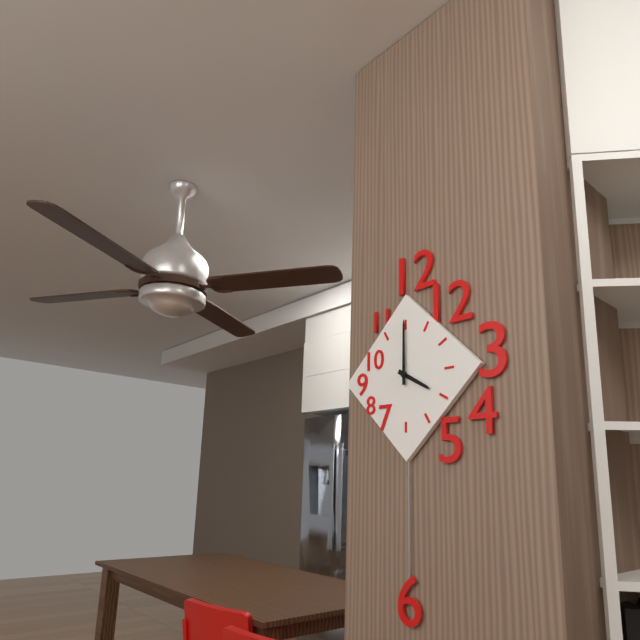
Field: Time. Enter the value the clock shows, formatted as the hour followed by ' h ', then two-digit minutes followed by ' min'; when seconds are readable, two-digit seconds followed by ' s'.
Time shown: 4 h 00 min
